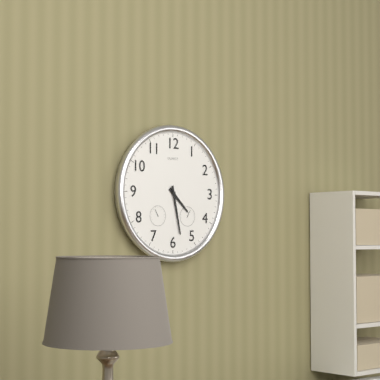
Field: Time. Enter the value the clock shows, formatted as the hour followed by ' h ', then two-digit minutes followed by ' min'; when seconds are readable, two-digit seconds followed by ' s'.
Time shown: 4 h 28 min
